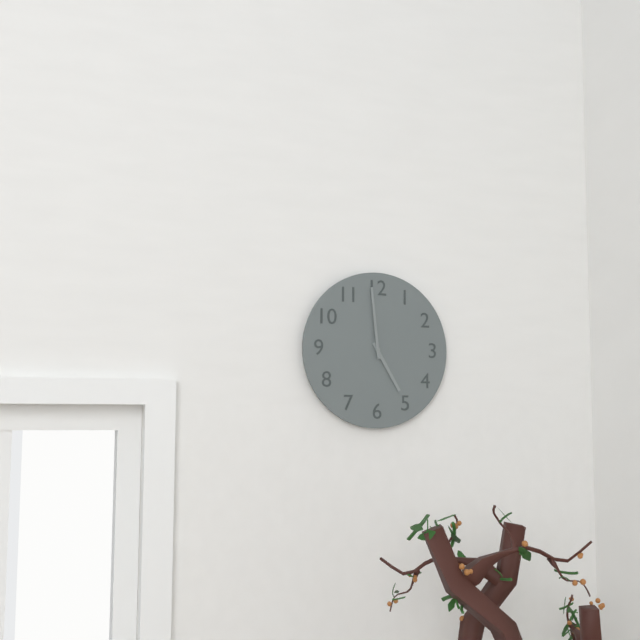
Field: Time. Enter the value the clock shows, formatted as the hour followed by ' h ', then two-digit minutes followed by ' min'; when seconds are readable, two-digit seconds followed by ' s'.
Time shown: 4 h 59 min
